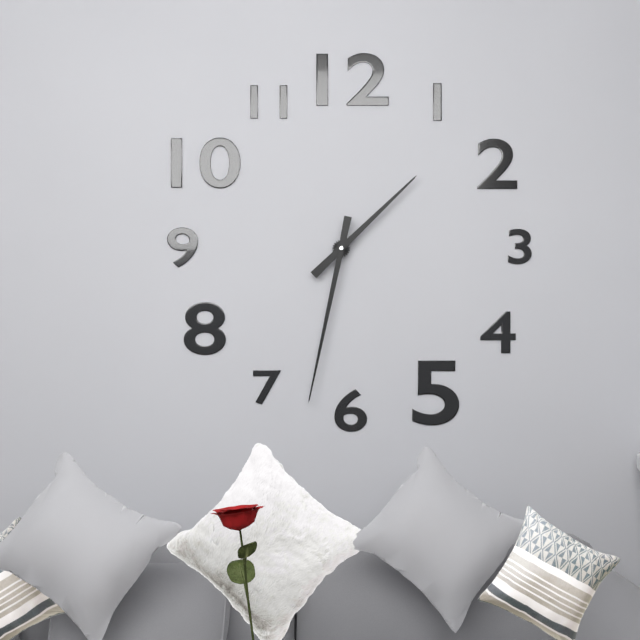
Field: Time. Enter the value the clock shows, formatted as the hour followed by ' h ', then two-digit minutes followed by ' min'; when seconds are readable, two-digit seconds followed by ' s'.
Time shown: 1 h 32 min
